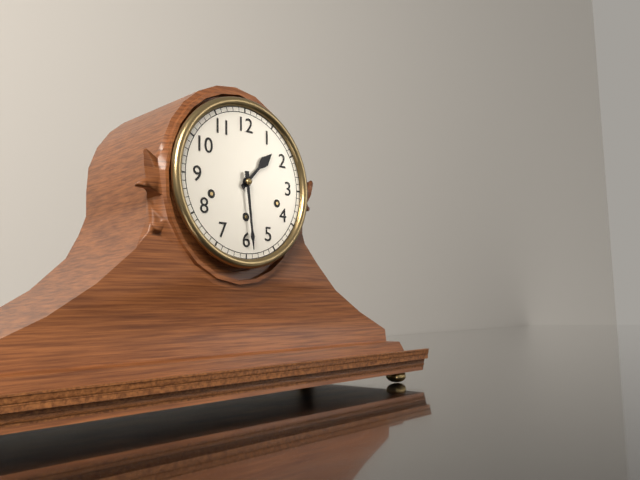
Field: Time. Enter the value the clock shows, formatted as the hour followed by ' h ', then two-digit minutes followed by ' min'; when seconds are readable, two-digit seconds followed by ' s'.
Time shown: 1 h 29 min
